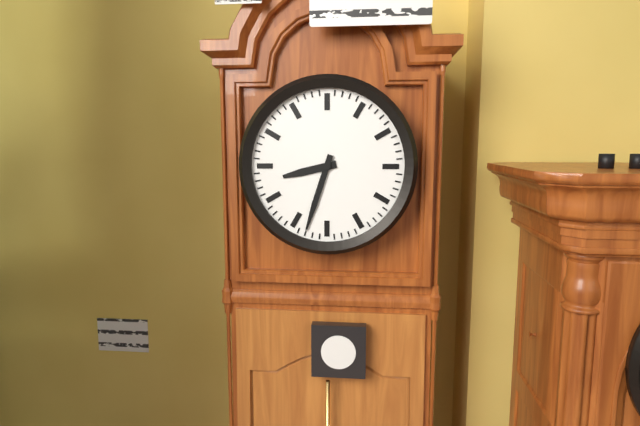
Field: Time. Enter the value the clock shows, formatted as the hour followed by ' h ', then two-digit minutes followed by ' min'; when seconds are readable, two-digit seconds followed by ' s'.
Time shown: 8 h 33 min
